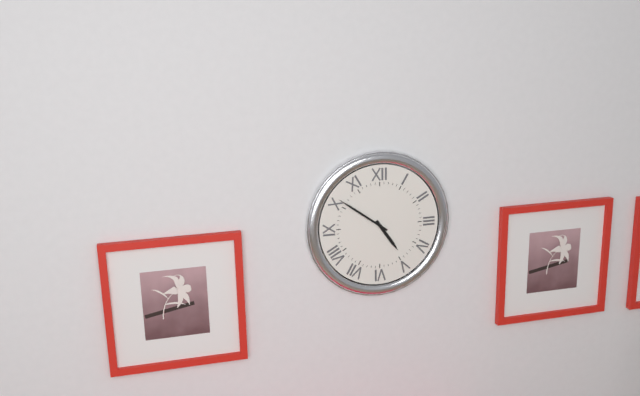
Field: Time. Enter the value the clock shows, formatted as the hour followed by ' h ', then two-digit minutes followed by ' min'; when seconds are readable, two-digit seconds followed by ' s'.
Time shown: 4 h 51 min
